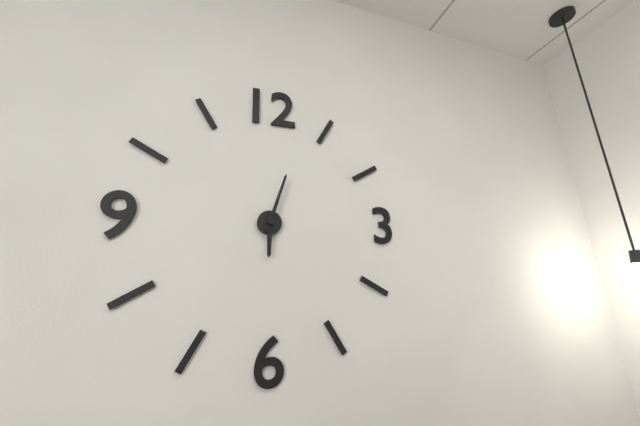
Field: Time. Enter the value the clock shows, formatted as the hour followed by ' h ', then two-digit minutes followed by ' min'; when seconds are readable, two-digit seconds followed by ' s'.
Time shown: 6 h 03 min
